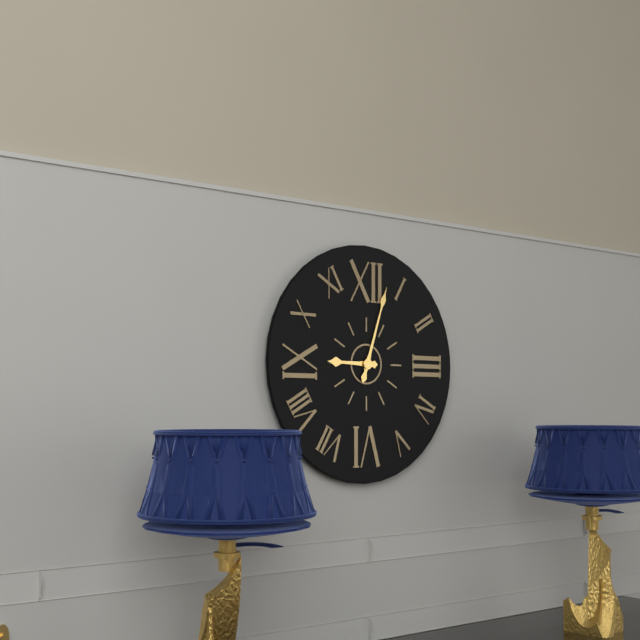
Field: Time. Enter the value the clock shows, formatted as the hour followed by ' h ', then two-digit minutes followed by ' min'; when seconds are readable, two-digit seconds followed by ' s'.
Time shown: 9 h 03 min
